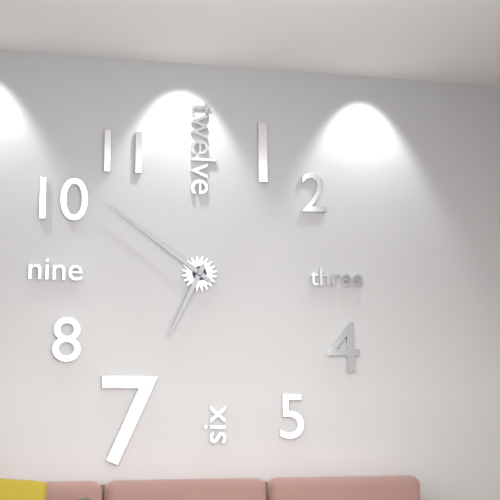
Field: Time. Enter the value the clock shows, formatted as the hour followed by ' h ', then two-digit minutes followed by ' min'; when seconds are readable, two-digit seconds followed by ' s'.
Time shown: 6 h 51 min
